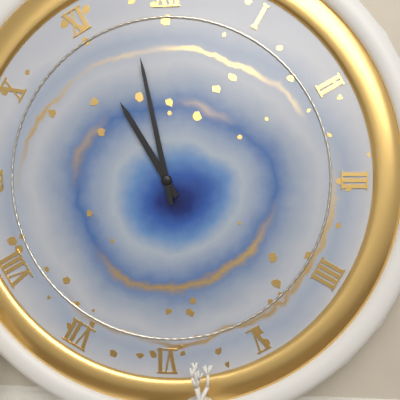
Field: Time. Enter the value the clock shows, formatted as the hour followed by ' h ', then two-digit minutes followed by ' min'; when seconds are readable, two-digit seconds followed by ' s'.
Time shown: 10 h 58 min
